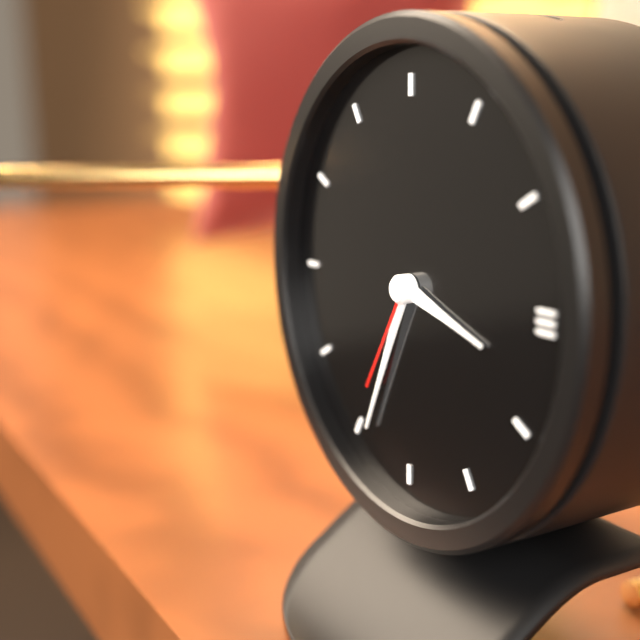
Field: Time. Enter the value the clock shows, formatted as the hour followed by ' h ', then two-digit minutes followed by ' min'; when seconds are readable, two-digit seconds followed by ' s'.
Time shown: 3 h 34 min 35 s
